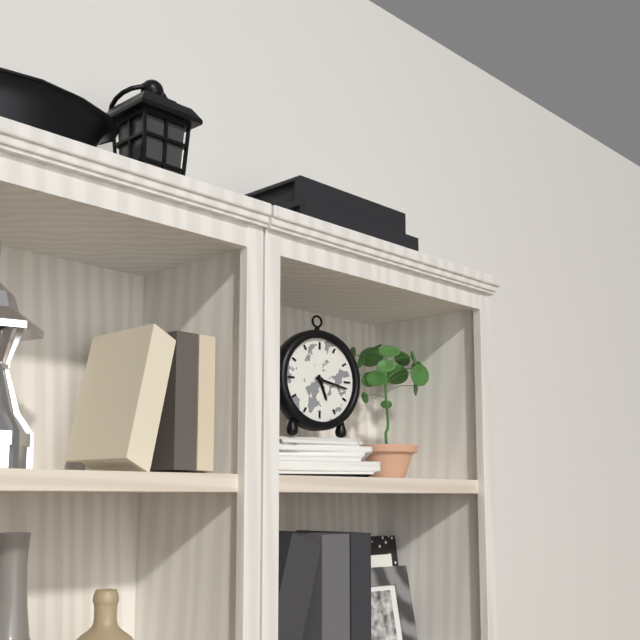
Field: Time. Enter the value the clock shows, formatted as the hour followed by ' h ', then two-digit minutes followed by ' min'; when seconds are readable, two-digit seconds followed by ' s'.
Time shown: 5 h 17 min
